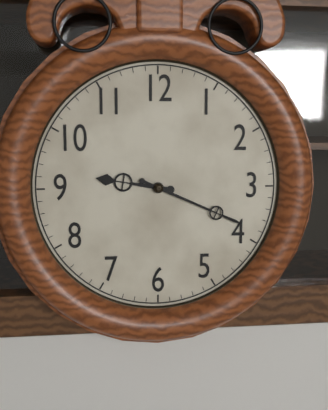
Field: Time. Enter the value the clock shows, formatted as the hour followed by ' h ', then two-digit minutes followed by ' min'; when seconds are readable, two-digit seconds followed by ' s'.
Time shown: 9 h 19 min
